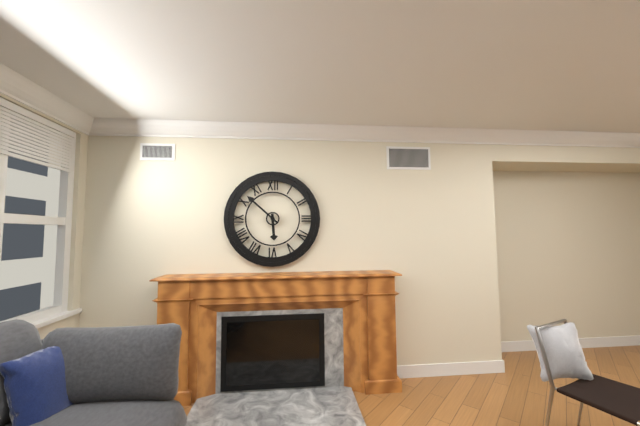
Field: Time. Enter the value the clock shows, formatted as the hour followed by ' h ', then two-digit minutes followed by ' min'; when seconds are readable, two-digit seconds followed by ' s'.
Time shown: 5 h 52 min
